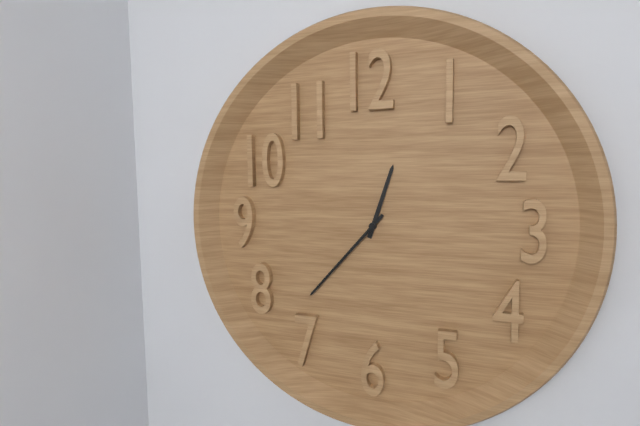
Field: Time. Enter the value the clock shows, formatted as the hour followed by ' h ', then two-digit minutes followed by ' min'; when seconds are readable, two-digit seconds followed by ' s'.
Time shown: 12 h 37 min
